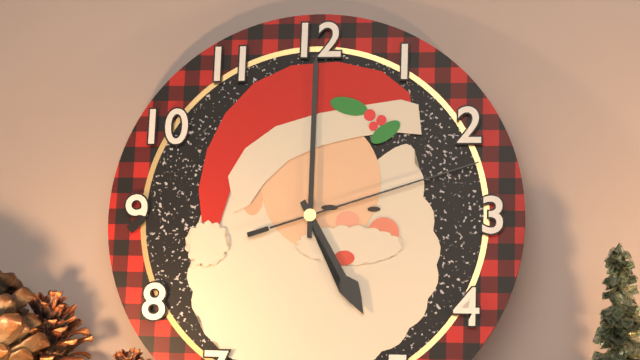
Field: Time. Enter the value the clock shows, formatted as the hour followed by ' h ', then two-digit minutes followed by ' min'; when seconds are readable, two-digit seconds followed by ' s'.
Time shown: 5 h 00 min 12 s
